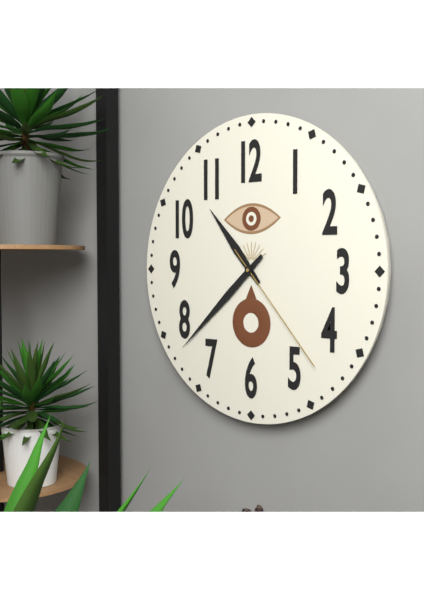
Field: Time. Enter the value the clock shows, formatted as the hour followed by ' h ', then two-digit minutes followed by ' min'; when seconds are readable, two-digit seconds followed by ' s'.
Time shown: 10 h 38 min 23 s
